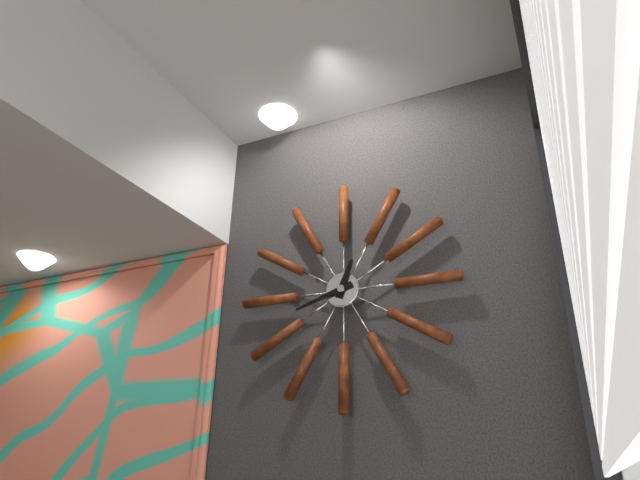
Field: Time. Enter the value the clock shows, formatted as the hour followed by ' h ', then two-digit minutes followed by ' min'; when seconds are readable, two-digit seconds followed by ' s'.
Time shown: 12 h 42 min
